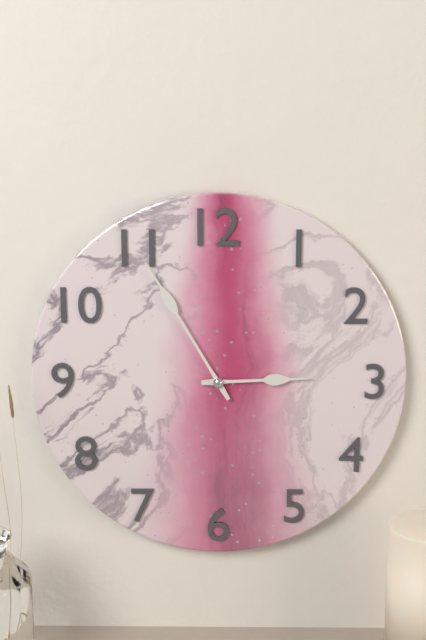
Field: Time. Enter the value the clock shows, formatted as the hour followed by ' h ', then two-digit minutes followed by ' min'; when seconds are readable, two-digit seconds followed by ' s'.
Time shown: 2 h 55 min
